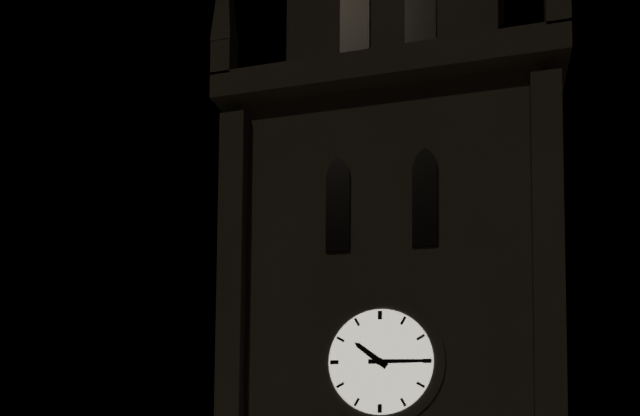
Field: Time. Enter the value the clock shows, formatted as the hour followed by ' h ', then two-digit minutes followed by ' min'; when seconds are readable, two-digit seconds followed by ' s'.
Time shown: 10 h 15 min
